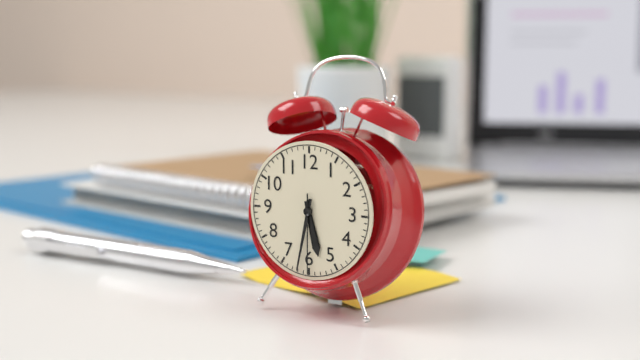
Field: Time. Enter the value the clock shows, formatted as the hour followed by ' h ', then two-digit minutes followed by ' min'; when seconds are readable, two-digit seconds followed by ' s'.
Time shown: 5 h 32 min 30 s
